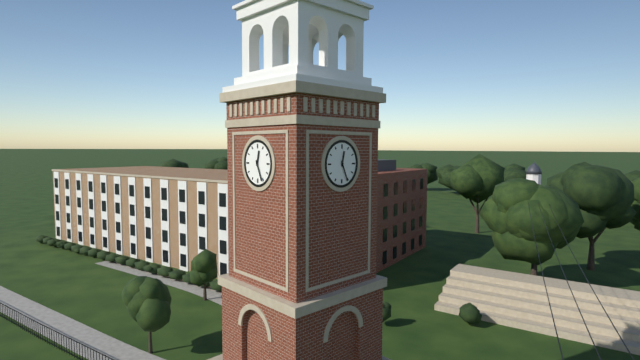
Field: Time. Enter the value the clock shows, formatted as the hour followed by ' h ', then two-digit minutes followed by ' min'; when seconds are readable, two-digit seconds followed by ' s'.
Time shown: 12 h 26 min
